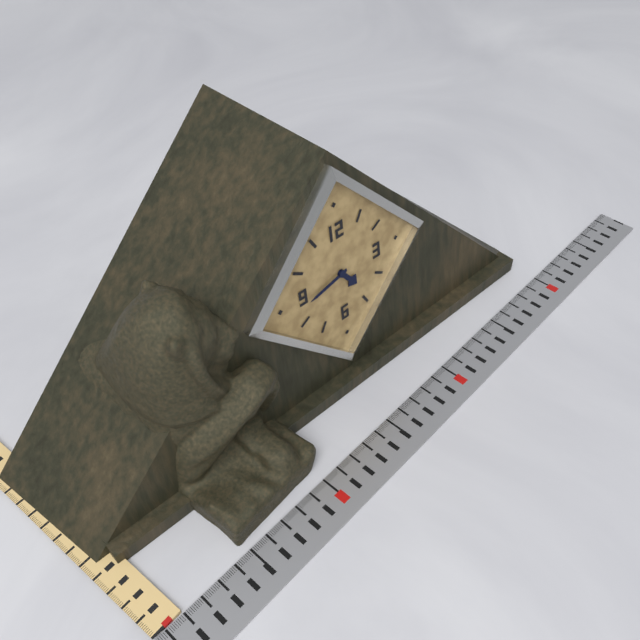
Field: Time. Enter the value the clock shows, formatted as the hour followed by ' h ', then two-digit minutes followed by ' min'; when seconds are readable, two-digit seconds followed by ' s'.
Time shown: 4 h 43 min
